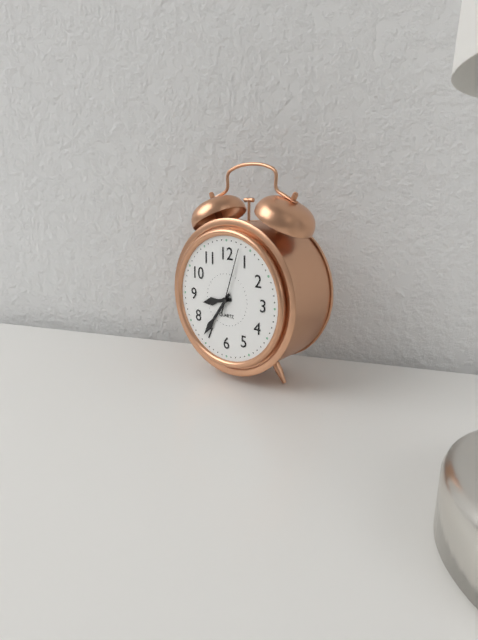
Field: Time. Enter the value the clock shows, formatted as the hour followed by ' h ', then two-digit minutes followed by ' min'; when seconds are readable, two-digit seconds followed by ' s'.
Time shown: 8 h 36 min 03 s
